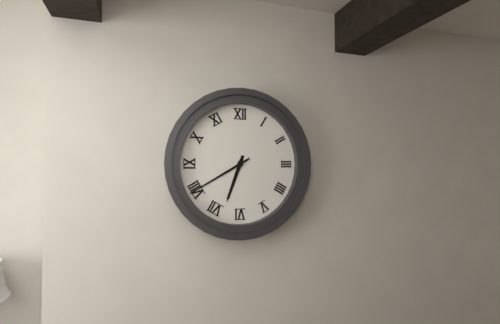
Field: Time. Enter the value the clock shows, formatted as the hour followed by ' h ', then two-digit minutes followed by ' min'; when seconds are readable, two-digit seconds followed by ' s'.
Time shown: 6 h 40 min
